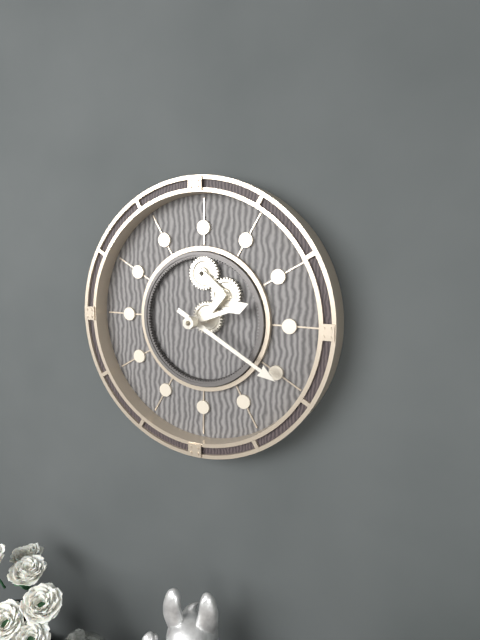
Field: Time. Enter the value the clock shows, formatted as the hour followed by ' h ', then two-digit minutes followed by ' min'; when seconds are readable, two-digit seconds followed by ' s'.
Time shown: 2 h 20 min
